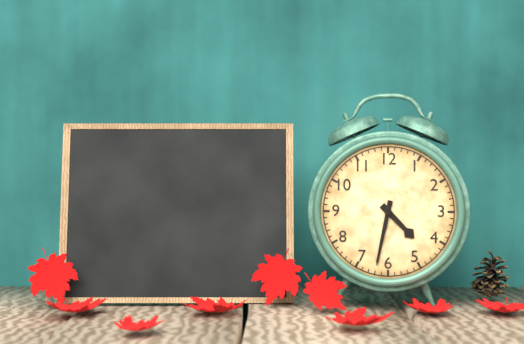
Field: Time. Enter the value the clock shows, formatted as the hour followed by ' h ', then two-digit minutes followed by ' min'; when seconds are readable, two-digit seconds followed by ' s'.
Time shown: 4 h 32 min
